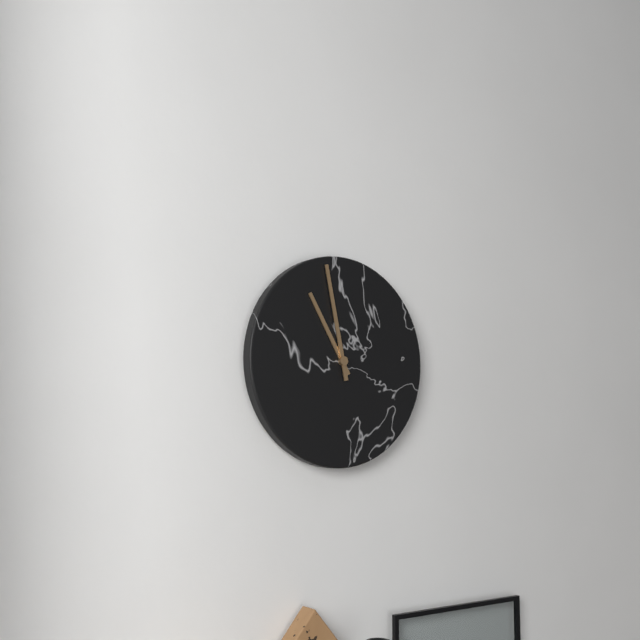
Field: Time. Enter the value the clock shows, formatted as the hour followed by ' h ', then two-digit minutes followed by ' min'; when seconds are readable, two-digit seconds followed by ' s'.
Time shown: 10 h 58 min
